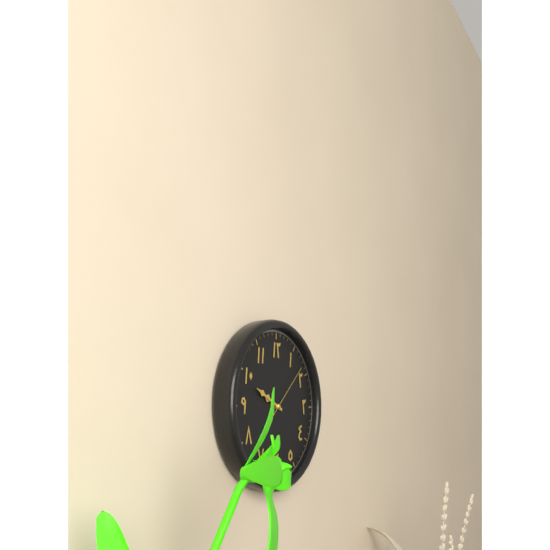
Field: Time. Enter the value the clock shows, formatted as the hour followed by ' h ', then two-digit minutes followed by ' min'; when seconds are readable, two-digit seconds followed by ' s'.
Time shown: 9 h 49 min 08 s
